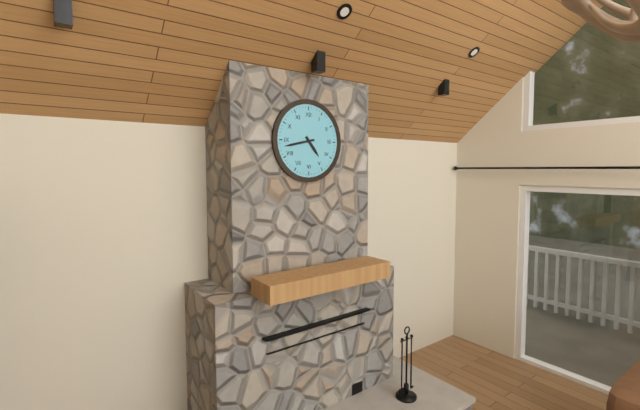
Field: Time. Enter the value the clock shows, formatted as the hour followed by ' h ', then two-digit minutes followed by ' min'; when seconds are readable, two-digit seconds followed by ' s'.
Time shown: 4 h 43 min
